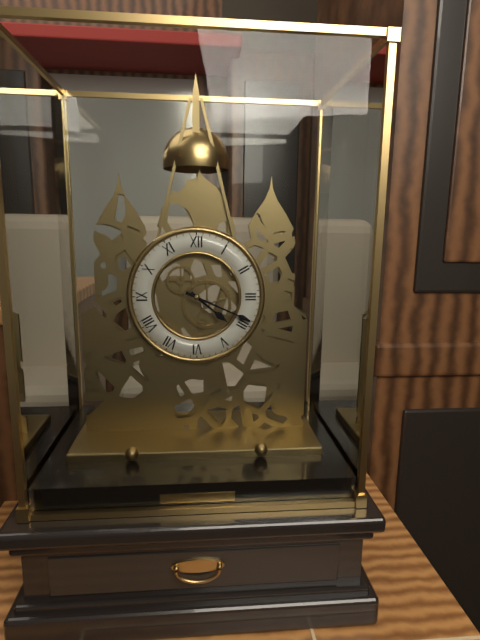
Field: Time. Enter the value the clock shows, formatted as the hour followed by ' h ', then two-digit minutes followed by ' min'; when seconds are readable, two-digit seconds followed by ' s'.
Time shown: 4 h 19 min
